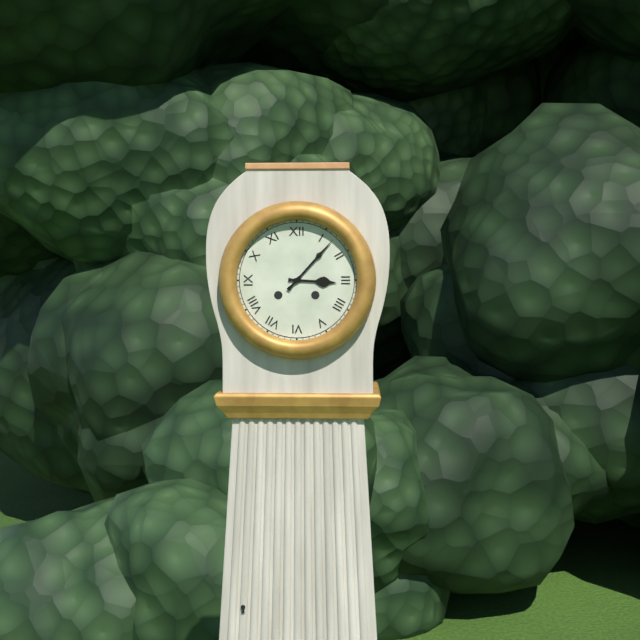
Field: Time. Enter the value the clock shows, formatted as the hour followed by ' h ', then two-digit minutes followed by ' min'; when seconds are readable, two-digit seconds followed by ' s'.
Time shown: 3 h 07 min
